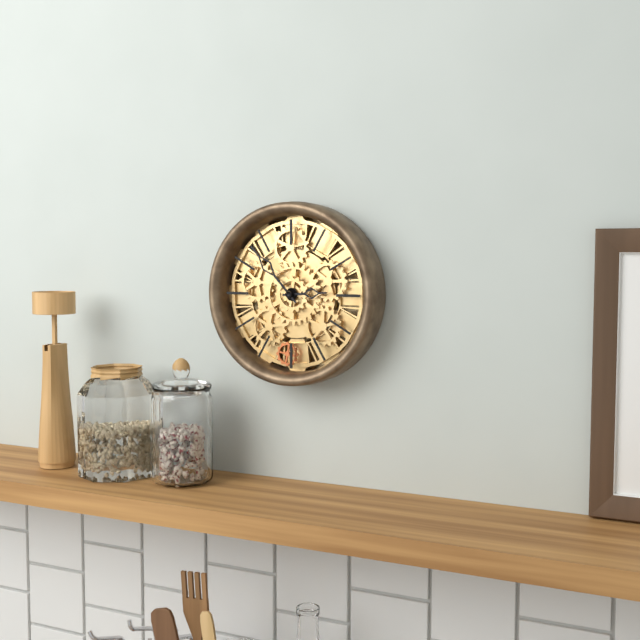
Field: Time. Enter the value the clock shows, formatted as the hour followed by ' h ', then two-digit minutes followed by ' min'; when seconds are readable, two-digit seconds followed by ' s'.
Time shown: 2 h 53 min
